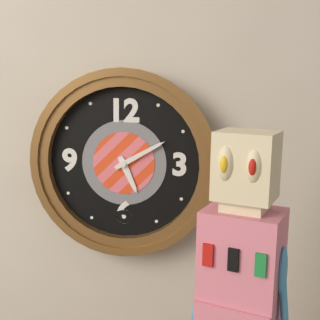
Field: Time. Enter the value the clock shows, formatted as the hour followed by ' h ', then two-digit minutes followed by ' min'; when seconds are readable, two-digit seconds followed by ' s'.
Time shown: 5 h 10 min
